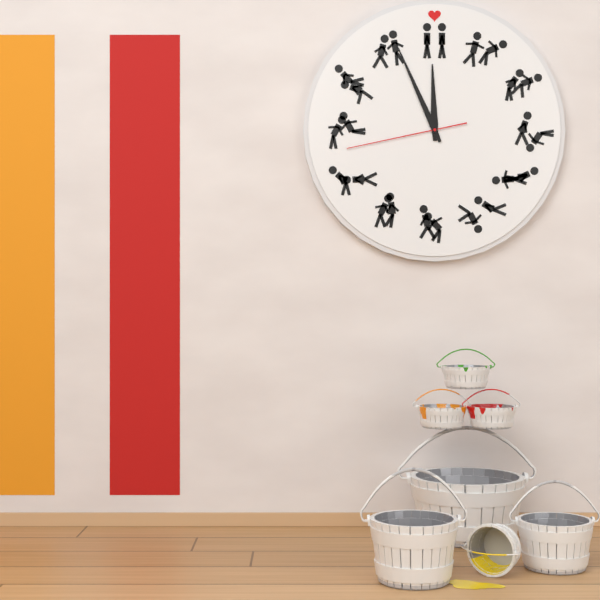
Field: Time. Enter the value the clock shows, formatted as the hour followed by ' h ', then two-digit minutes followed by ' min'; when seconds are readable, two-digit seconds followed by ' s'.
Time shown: 11 h 56 min 43 s
